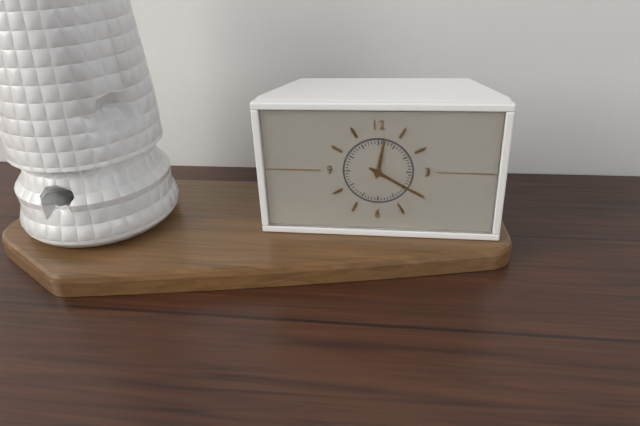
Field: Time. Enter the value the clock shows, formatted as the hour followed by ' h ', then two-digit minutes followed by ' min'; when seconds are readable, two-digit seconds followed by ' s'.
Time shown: 12 h 20 min
